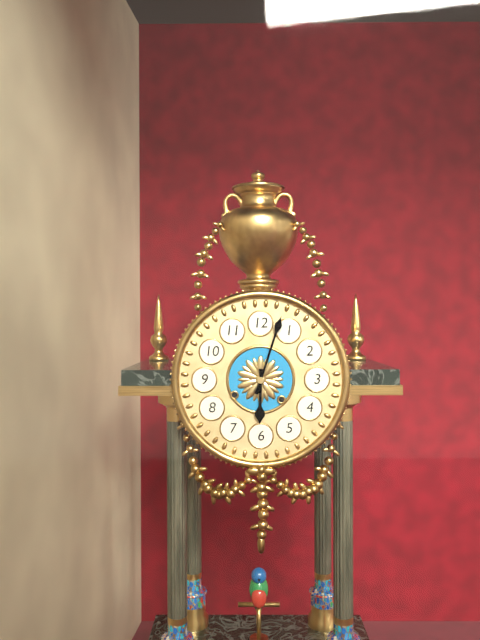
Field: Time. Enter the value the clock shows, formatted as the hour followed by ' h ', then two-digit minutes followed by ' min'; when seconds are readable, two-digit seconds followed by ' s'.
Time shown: 6 h 03 min
